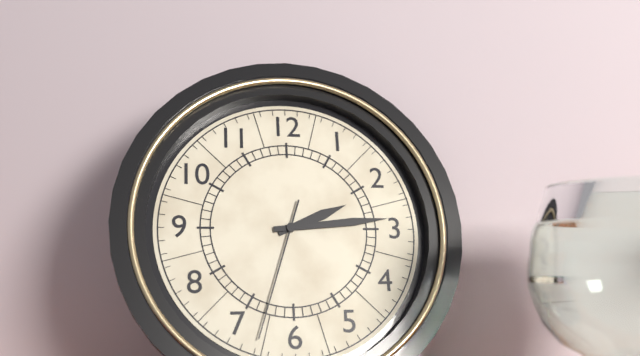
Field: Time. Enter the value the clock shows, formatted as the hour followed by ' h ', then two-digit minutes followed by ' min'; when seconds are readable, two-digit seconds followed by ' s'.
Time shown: 2 h 14 min 33 s
